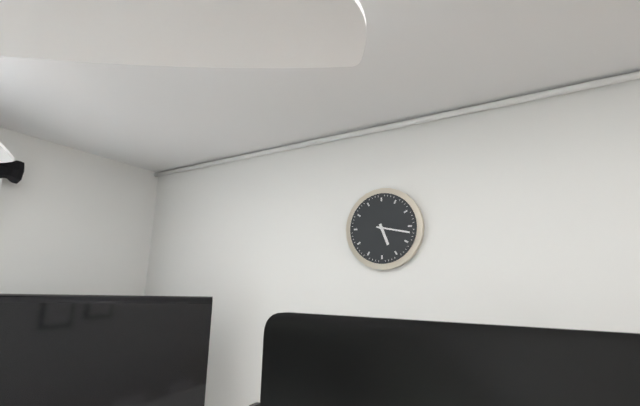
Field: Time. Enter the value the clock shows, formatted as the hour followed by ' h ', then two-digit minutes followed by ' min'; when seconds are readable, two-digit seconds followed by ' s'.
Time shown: 5 h 17 min
